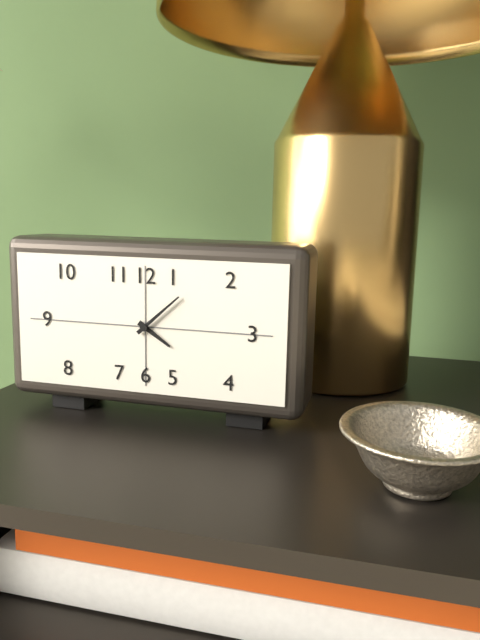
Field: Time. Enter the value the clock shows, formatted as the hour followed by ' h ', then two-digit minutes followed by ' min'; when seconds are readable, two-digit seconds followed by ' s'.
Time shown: 4 h 08 min
